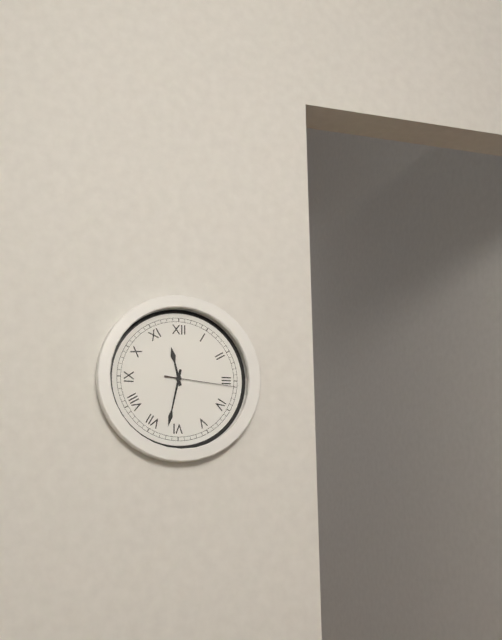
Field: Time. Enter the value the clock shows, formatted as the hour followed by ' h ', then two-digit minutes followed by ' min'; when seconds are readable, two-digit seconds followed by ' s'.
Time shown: 11 h 32 min 16 s
